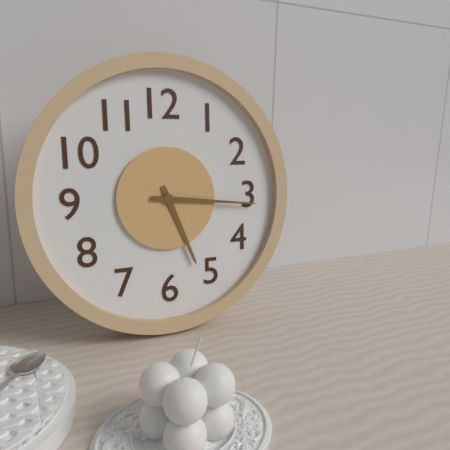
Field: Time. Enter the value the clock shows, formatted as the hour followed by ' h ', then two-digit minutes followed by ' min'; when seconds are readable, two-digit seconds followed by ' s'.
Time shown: 5 h 16 min
